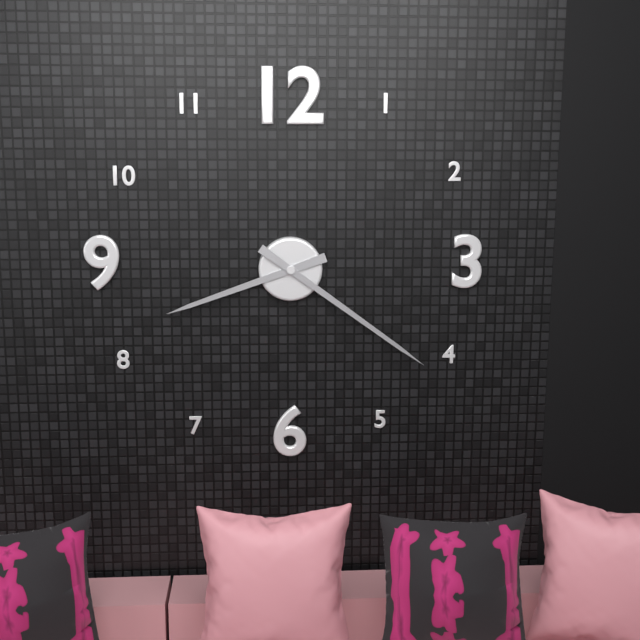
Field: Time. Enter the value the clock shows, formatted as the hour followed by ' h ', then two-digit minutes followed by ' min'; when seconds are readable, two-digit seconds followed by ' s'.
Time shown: 8 h 21 min
